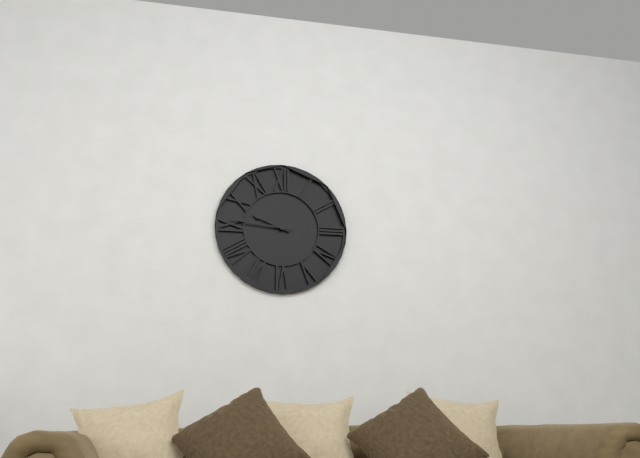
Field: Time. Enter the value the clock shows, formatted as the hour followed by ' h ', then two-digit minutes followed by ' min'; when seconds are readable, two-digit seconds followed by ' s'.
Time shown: 9 h 46 min
